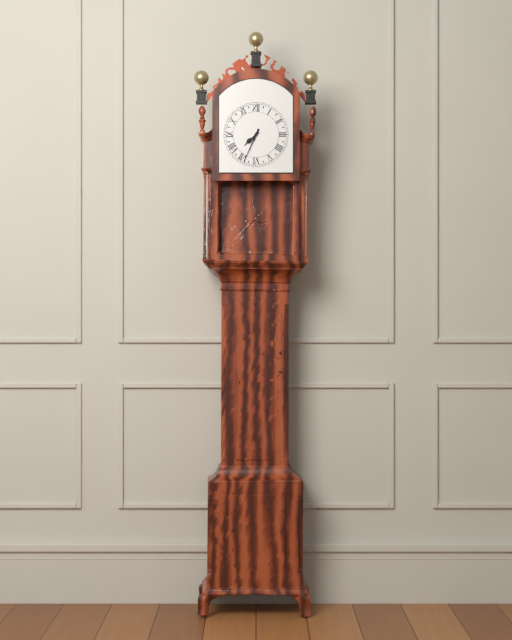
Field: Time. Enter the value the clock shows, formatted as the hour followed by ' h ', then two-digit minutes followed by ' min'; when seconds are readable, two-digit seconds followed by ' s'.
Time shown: 7 h 34 min
